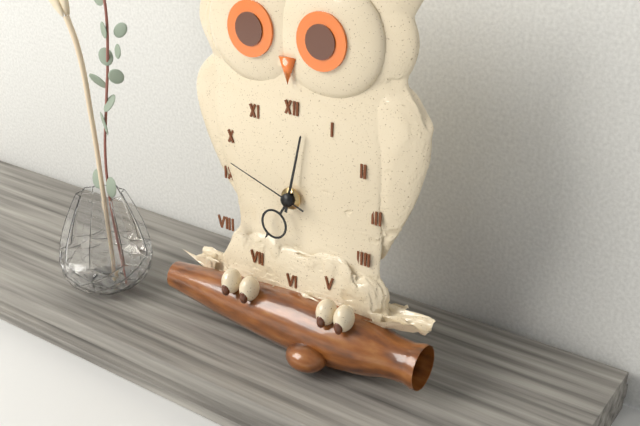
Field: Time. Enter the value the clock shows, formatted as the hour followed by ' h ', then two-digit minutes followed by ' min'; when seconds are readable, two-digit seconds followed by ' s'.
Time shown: 7 h 02 min 48 s
